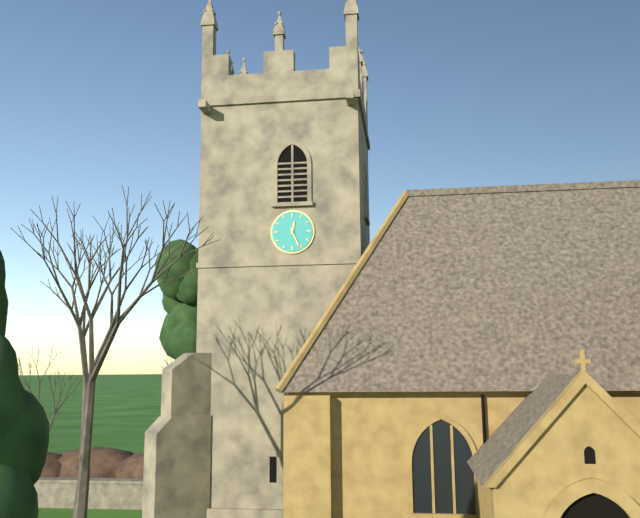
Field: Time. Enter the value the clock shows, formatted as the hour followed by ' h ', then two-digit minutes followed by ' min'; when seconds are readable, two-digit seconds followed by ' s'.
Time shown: 12 h 26 min
